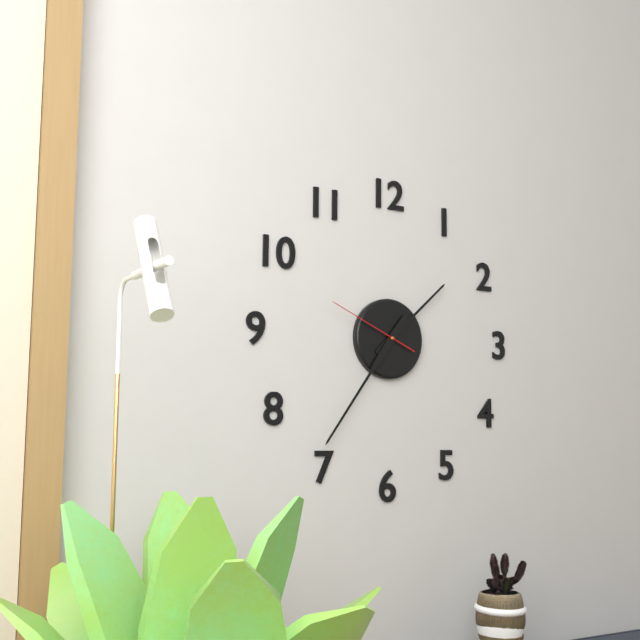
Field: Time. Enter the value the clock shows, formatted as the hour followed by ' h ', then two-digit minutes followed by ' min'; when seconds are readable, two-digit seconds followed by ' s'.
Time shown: 1 h 36 min 49 s
